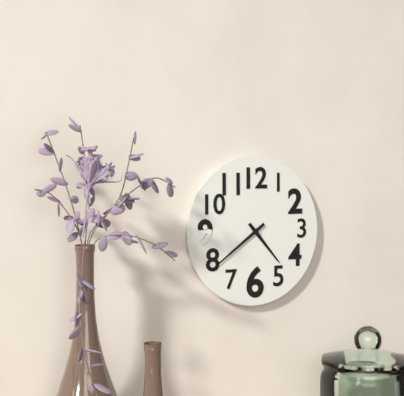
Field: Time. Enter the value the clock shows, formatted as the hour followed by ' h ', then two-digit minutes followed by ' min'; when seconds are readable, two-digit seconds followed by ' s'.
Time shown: 4 h 39 min
